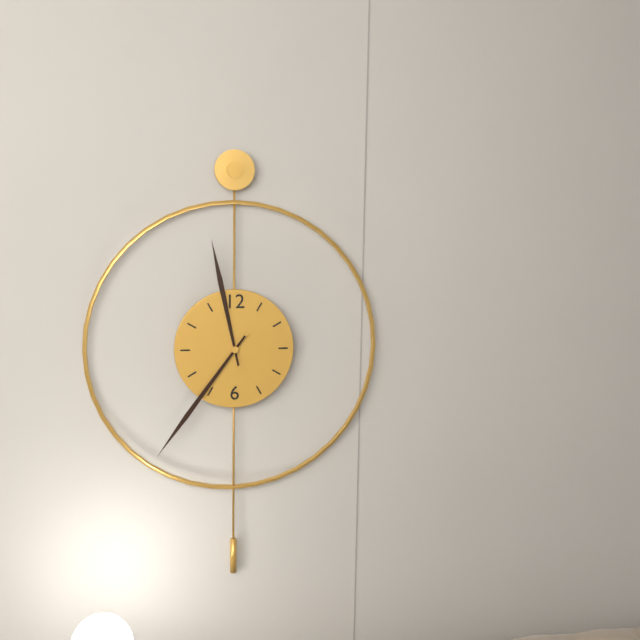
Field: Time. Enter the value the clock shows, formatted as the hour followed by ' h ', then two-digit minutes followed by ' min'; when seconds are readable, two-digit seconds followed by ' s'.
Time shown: 11 h 36 min
